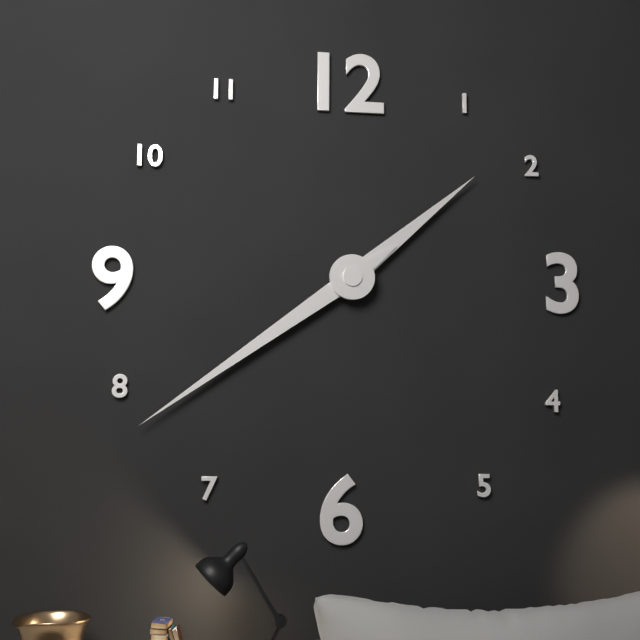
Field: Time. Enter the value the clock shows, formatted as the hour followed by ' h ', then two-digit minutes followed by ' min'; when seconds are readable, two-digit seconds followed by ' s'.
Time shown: 1 h 39 min
